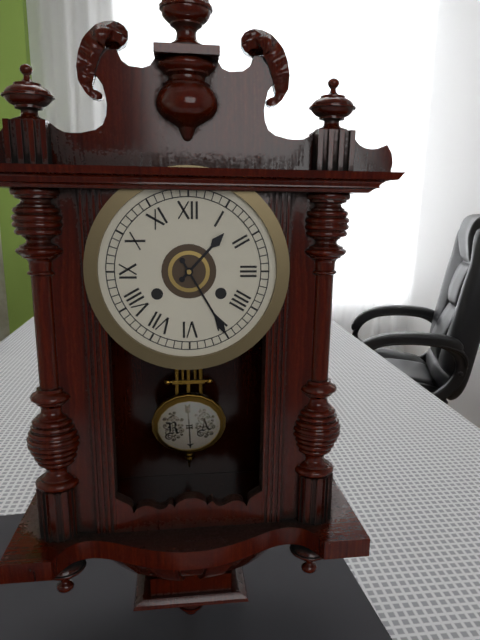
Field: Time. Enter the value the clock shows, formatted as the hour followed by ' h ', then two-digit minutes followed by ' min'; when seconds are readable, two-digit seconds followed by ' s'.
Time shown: 1 h 25 min
